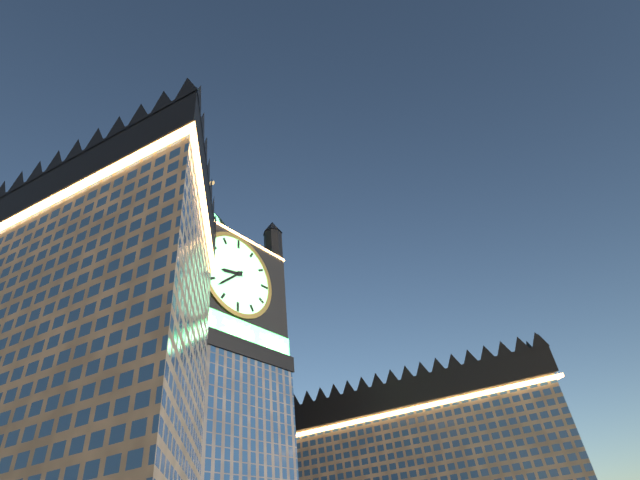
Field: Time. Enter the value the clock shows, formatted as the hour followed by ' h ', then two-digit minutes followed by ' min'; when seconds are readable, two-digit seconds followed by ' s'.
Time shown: 8 h 38 min
